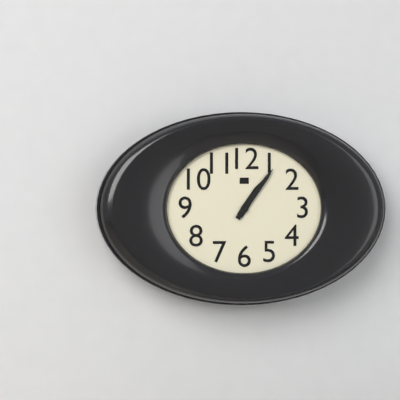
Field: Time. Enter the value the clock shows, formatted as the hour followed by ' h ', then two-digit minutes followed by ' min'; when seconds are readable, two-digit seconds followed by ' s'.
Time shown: 1 h 06 min
